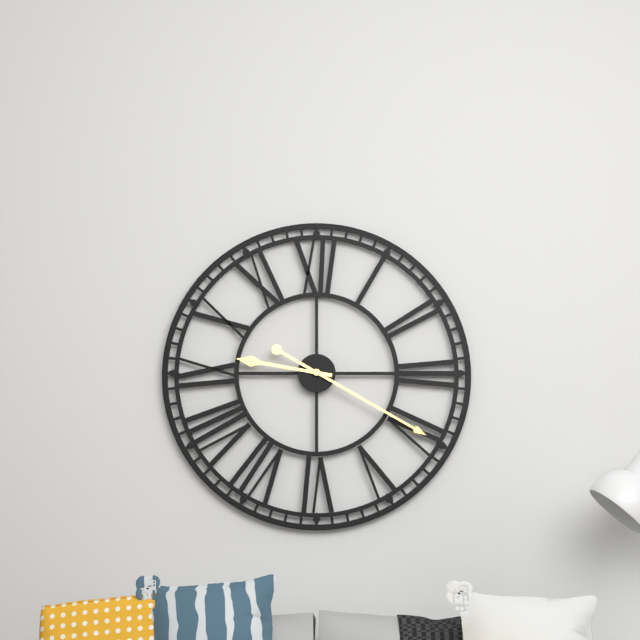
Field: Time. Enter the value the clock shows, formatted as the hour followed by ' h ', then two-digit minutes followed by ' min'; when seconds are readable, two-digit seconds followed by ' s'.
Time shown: 9 h 20 min
